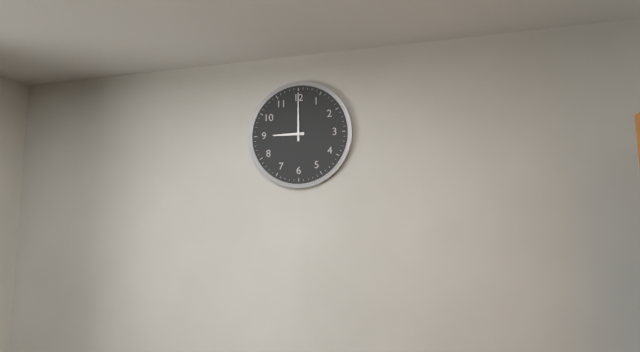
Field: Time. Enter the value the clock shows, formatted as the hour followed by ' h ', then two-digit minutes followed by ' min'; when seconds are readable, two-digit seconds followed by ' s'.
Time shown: 9 h 00 min
